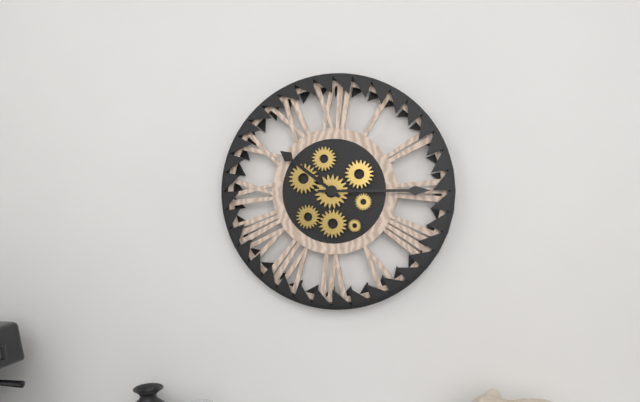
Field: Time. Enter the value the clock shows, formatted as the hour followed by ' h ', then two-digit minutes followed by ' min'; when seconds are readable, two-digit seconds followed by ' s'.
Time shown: 10 h 15 min
